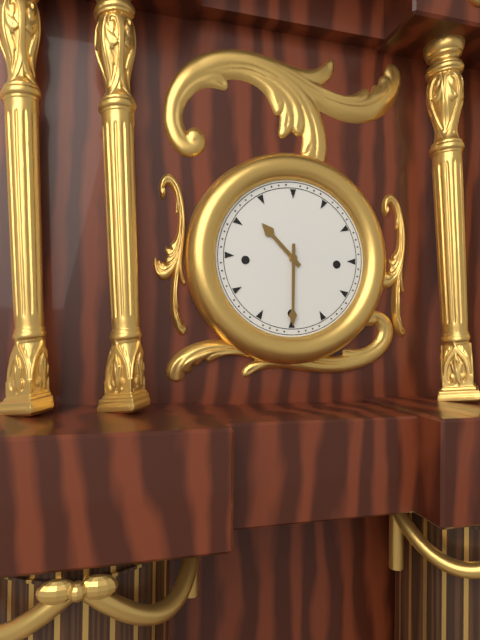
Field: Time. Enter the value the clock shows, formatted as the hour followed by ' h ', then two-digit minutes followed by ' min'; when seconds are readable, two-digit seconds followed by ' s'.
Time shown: 10 h 30 min
